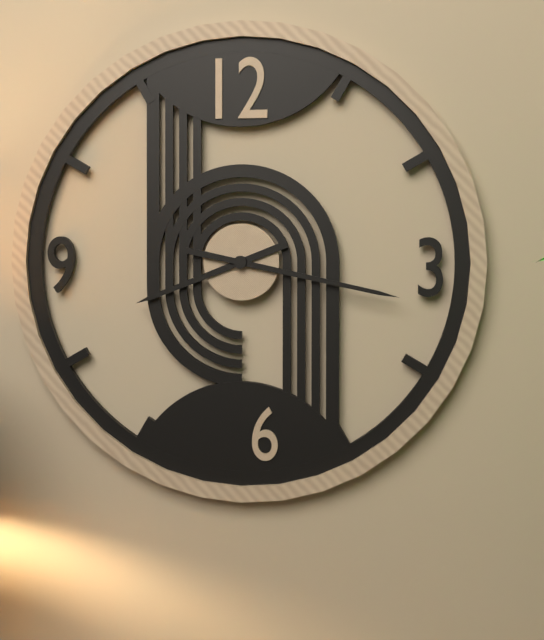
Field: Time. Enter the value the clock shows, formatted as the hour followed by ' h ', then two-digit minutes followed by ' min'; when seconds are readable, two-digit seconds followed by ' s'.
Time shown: 8 h 17 min
